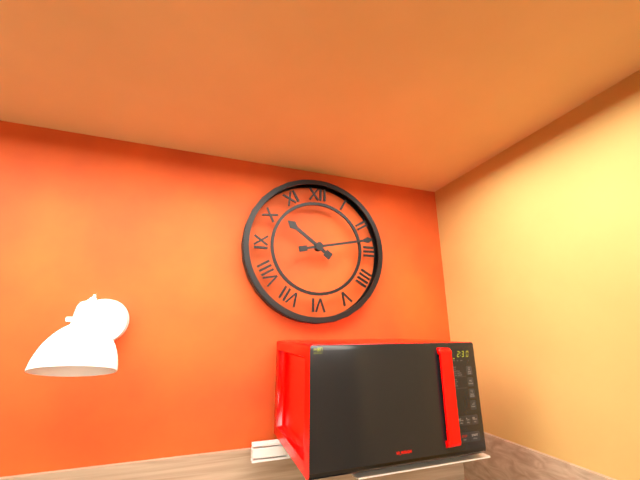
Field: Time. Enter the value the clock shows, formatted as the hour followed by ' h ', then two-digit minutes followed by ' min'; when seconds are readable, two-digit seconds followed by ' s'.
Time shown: 10 h 13 min
